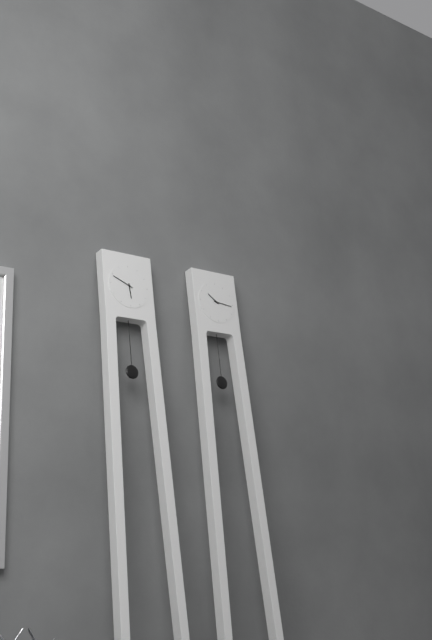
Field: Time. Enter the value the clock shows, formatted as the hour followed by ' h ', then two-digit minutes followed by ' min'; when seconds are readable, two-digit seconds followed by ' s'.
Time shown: 5 h 49 min
